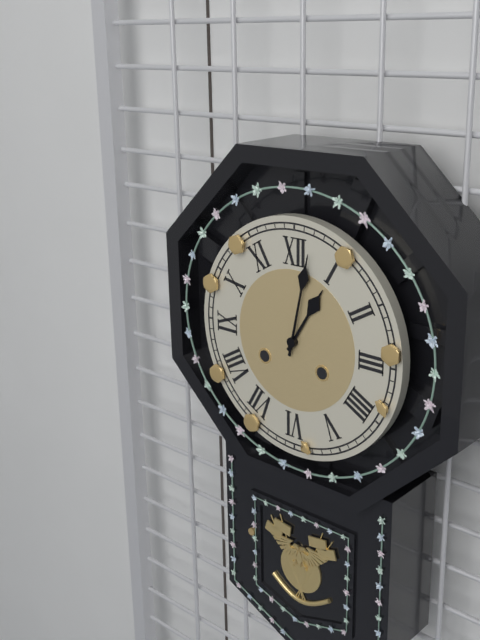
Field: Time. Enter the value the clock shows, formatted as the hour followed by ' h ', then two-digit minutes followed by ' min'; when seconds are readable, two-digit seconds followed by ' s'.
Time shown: 1 h 02 min
